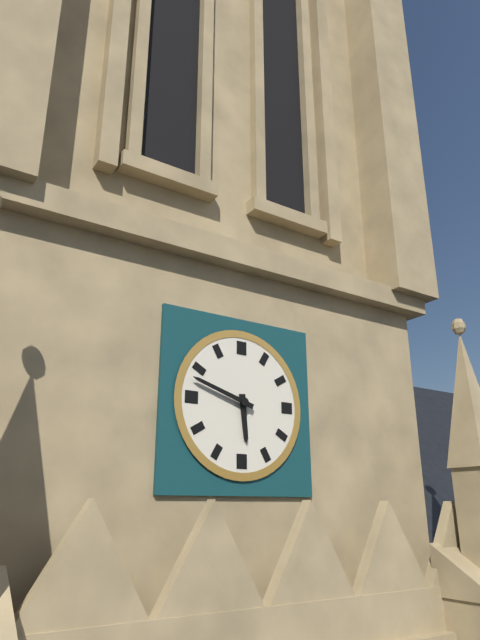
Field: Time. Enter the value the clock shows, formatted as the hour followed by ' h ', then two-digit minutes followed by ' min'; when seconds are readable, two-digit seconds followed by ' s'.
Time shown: 5 h 48 min
